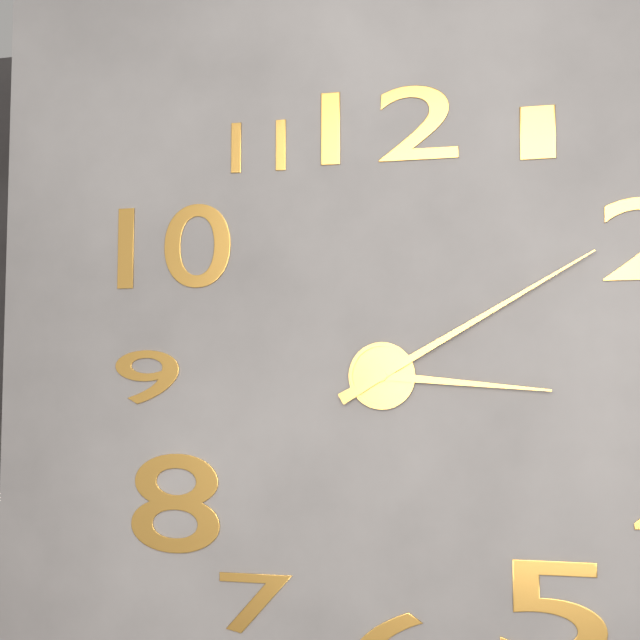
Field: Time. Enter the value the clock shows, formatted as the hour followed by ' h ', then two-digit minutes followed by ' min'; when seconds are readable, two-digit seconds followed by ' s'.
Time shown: 3 h 10 min
